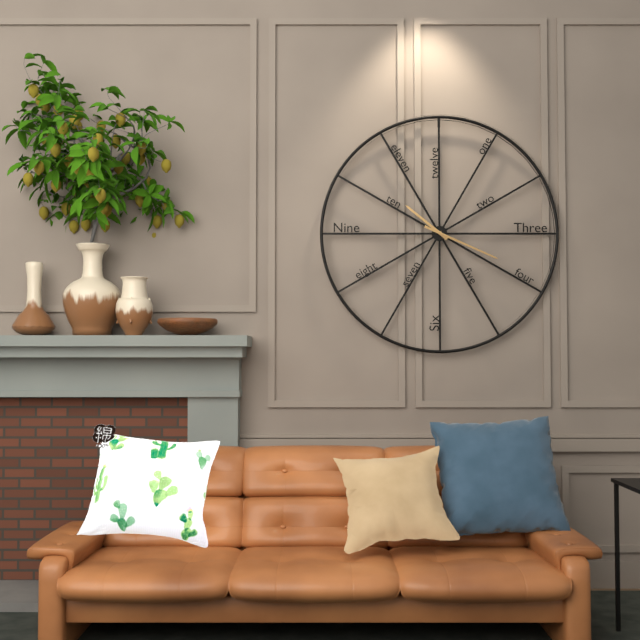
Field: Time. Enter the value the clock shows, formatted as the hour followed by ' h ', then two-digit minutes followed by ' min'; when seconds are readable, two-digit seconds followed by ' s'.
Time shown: 10 h 19 min
